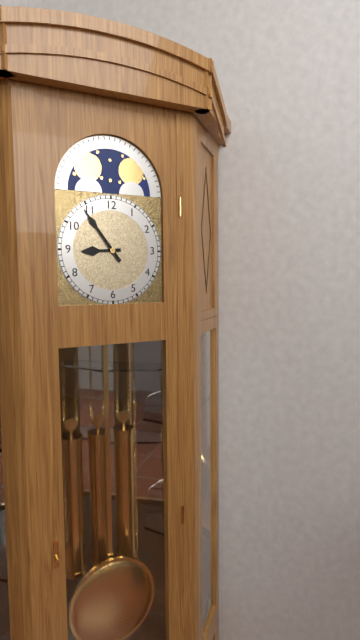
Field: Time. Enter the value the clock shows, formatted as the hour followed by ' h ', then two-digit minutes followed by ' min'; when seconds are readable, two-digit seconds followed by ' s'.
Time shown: 8 h 54 min
